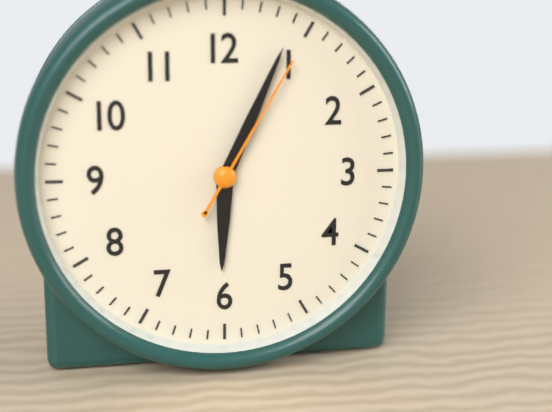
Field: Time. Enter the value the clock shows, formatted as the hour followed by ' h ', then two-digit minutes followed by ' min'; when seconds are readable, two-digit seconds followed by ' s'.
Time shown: 6 h 04 min 05 s
